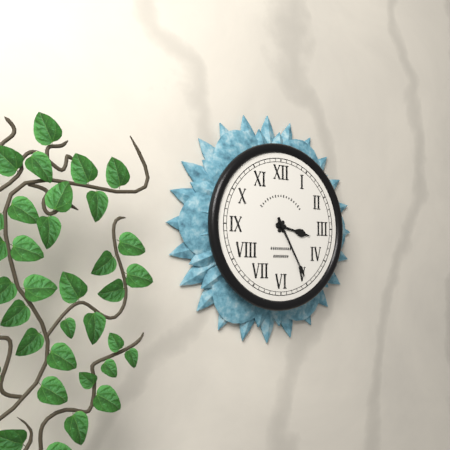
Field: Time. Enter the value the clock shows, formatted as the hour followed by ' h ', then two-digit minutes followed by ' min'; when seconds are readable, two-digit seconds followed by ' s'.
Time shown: 3 h 25 min
